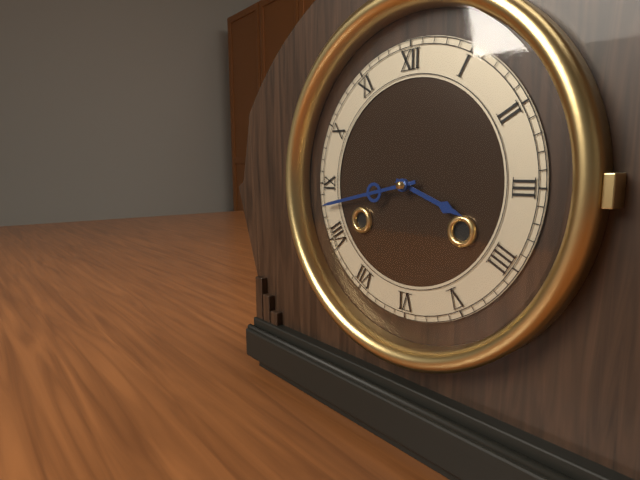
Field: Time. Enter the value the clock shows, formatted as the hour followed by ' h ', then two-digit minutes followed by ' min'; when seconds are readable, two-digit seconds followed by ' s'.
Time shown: 3 h 43 min
